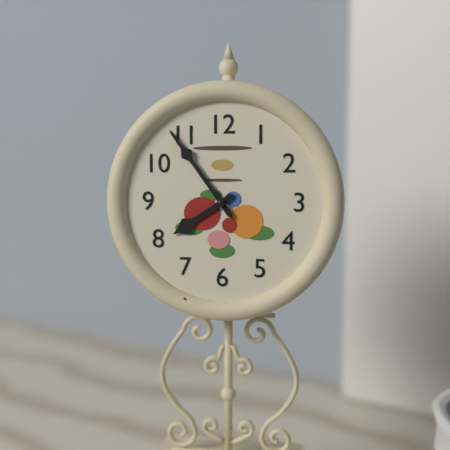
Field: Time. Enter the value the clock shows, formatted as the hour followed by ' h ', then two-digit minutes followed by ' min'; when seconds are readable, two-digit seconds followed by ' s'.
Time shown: 7 h 54 min
